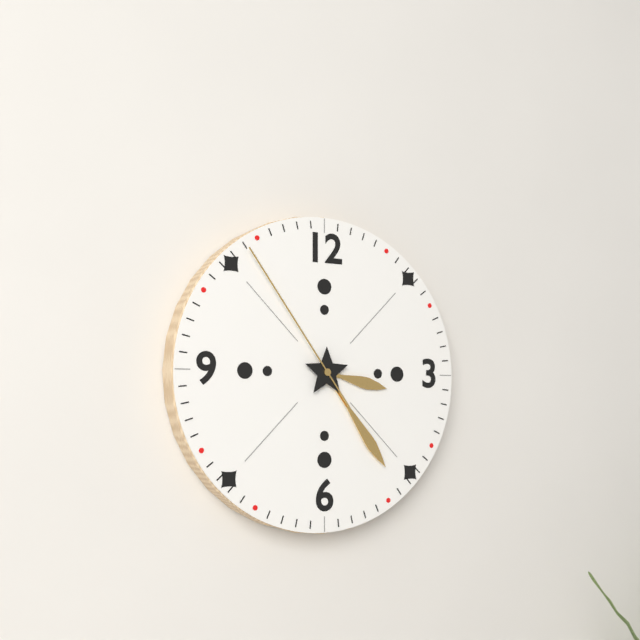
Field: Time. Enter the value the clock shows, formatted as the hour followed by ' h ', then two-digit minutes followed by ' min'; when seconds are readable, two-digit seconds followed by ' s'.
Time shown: 3 h 24 min 54 s
